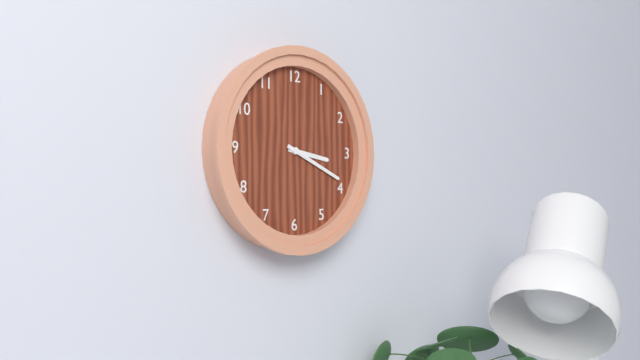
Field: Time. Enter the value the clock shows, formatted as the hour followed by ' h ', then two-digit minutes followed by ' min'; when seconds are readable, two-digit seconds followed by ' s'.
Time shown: 3 h 19 min
